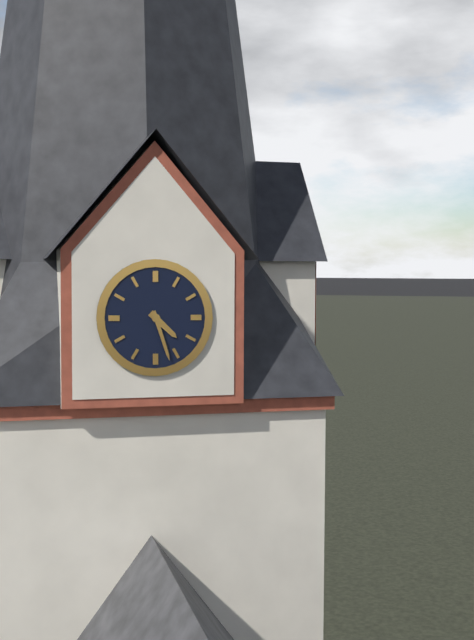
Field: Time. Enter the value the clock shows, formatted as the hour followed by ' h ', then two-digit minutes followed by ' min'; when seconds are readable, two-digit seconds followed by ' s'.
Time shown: 4 h 27 min
